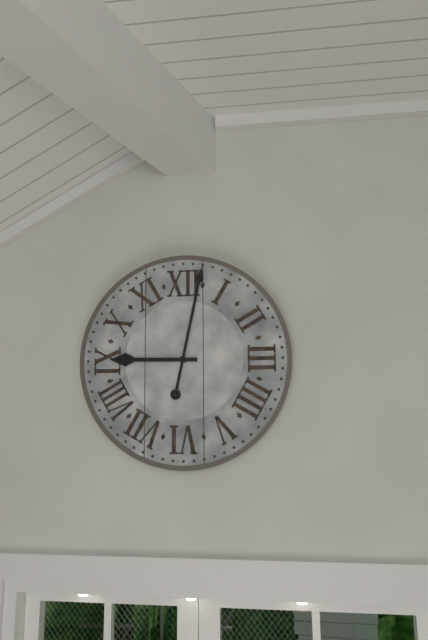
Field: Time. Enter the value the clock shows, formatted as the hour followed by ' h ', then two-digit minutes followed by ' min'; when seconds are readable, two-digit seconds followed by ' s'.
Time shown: 9 h 02 min
